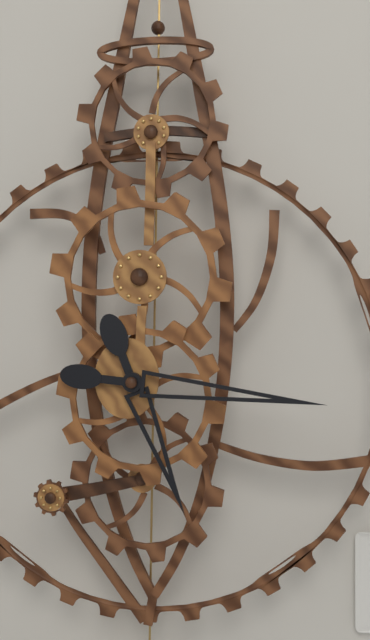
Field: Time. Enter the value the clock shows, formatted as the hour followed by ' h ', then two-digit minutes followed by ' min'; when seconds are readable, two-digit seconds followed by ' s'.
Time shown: 5 h 16 min
